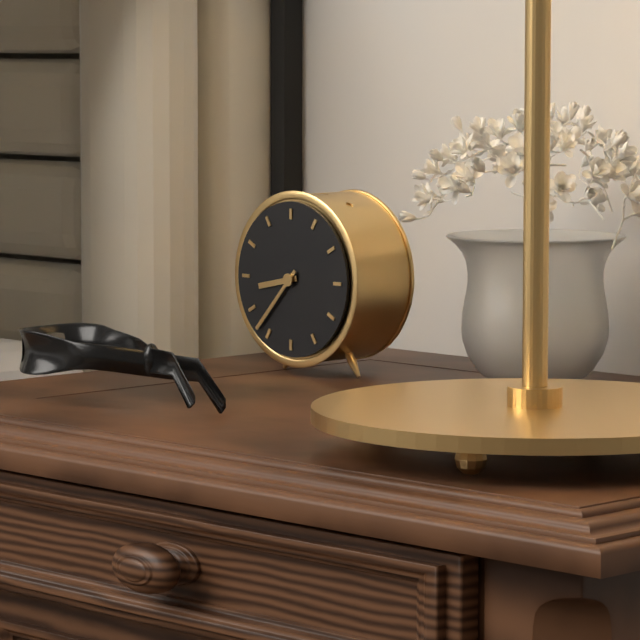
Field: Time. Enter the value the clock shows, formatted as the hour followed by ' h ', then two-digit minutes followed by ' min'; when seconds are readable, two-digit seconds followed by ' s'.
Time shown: 8 h 37 min
